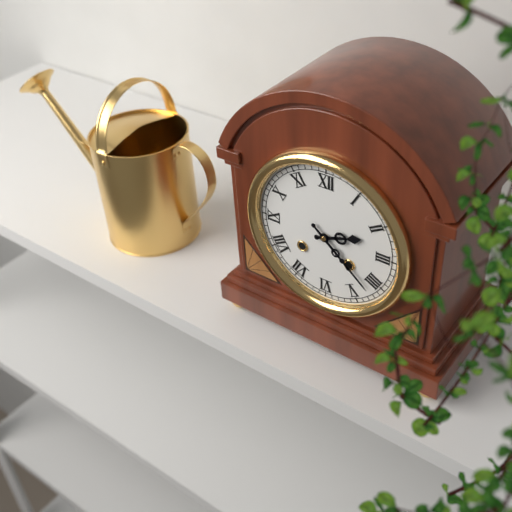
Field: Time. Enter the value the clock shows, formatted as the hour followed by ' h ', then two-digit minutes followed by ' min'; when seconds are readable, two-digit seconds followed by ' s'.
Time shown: 2 h 22 min
